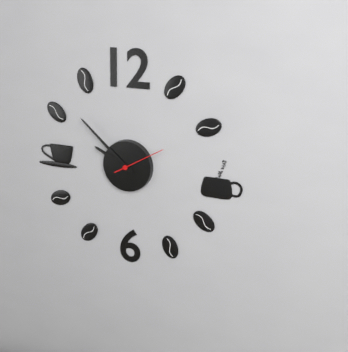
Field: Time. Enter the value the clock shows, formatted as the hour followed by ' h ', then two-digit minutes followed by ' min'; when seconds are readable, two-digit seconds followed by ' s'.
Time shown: 9 h 52 min 10 s
